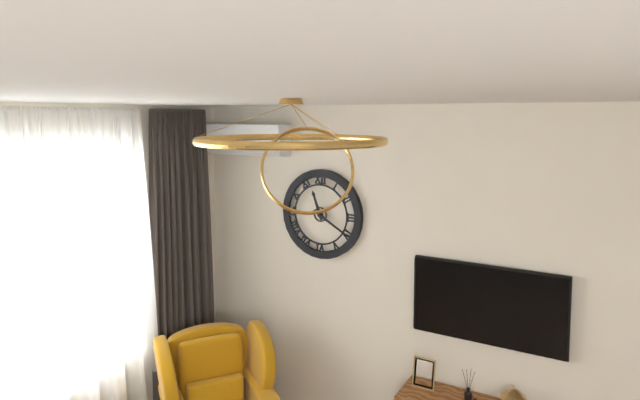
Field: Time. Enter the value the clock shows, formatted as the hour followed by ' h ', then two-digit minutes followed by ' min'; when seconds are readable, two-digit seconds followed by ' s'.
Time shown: 11 h 20 min
